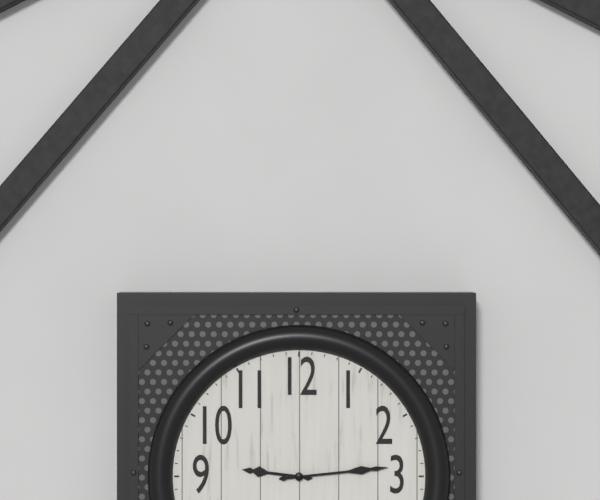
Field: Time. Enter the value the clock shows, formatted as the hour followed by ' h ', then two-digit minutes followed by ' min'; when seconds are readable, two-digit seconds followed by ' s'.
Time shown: 9 h 14 min
